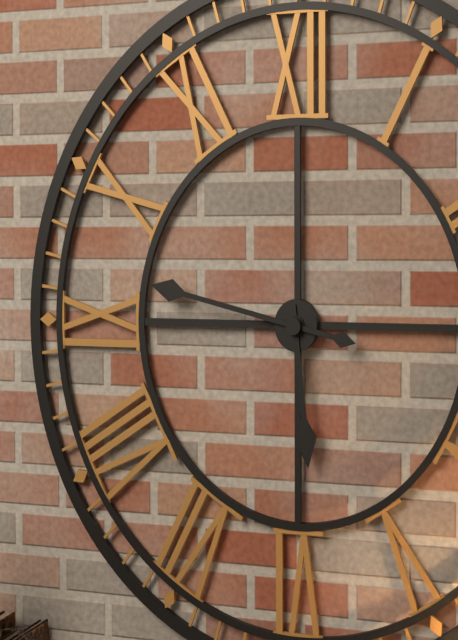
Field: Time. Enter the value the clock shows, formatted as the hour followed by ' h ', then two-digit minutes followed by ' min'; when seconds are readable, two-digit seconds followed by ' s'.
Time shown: 5 h 47 min
